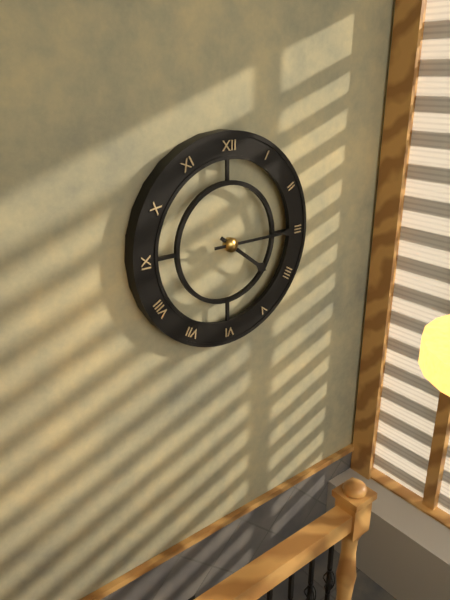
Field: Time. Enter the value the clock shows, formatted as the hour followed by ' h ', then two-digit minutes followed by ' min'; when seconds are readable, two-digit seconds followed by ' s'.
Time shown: 4 h 15 min
